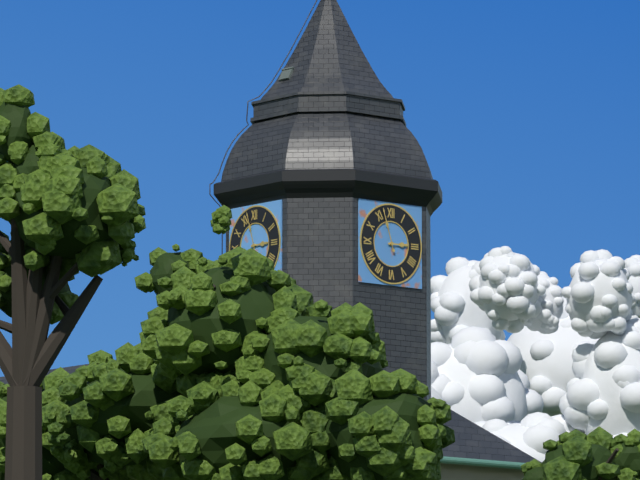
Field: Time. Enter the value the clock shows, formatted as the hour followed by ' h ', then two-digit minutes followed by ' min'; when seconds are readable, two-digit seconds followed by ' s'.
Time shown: 2 h 57 min
